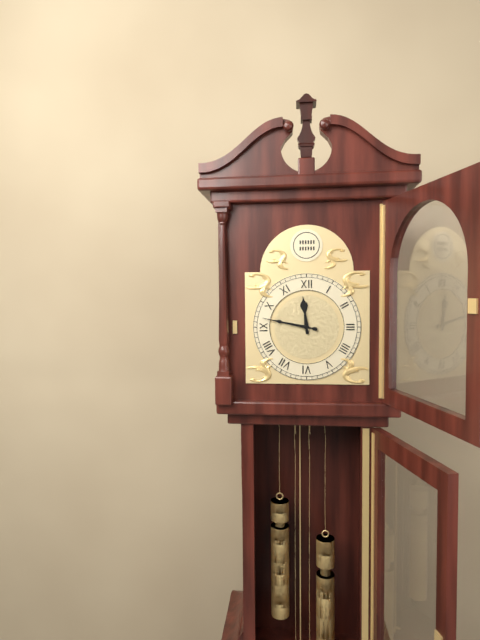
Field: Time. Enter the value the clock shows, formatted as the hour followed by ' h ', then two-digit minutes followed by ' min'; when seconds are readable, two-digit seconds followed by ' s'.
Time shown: 11 h 47 min
